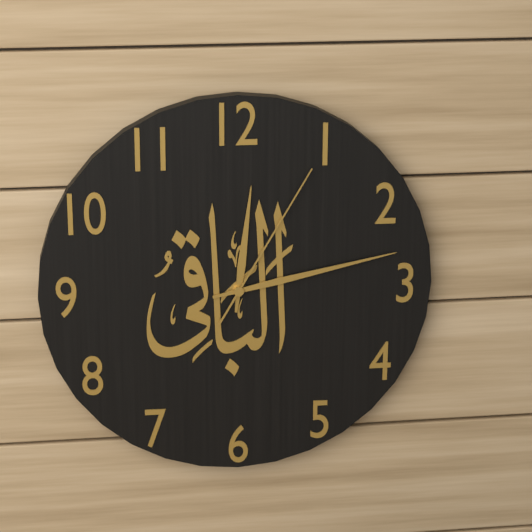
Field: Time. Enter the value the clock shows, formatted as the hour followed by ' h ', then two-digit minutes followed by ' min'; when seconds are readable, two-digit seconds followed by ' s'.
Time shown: 12 h 13 min 05 s
